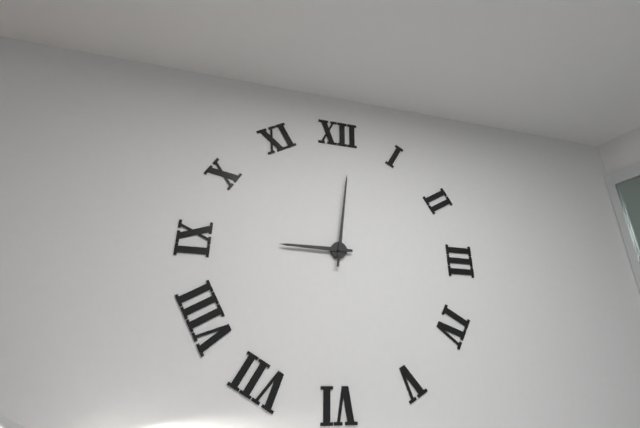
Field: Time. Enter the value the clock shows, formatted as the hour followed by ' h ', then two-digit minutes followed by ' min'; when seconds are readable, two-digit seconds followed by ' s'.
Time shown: 9 h 01 min
